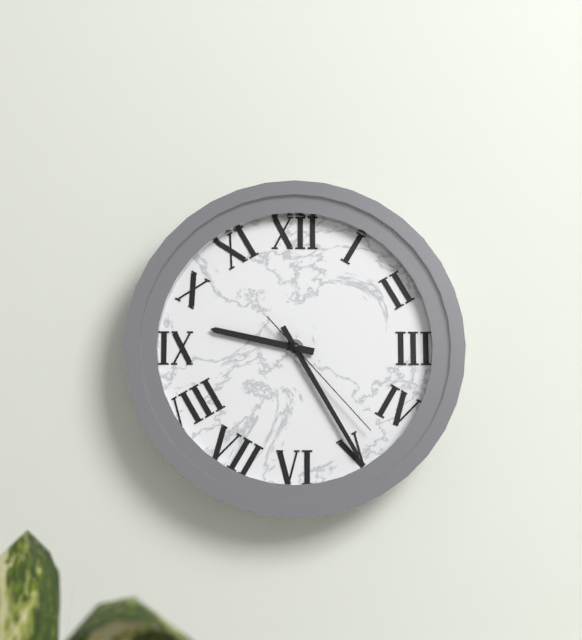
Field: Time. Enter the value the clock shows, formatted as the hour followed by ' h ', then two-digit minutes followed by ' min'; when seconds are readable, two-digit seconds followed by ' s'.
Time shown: 9 h 25 min 23 s
